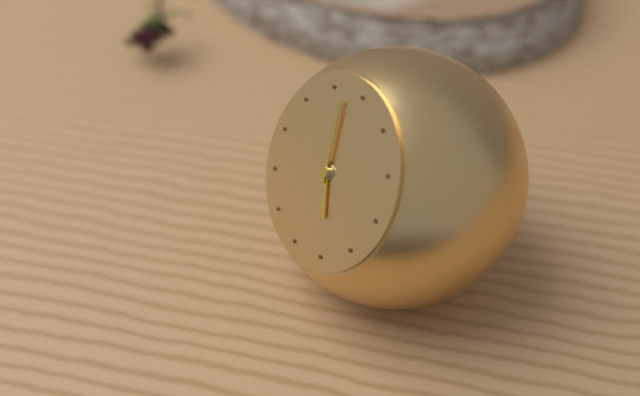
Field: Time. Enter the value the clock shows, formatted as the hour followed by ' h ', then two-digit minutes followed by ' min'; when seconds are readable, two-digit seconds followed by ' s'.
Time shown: 4 h 57 min
